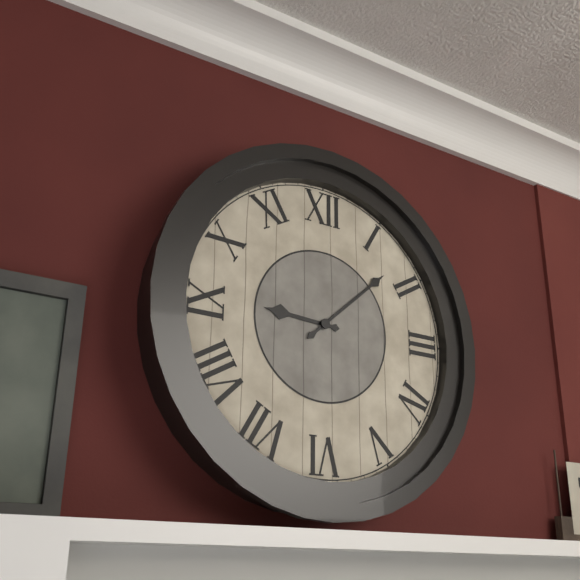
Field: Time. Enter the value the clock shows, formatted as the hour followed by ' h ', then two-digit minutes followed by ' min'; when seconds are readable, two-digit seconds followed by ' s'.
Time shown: 9 h 08 min
